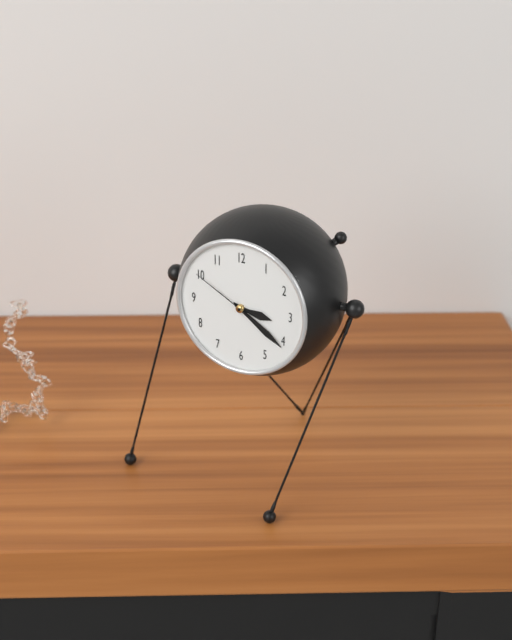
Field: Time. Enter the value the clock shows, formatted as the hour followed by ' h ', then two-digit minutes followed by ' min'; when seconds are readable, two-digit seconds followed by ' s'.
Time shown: 3 h 21 min 50 s
